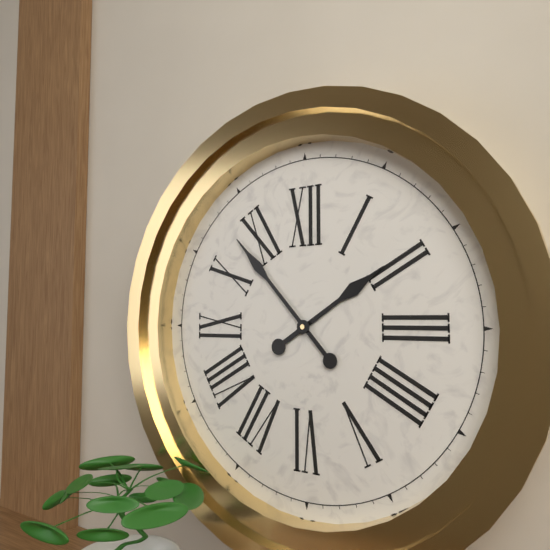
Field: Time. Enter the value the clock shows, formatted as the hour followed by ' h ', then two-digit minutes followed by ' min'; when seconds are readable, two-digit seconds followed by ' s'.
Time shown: 1 h 53 min
